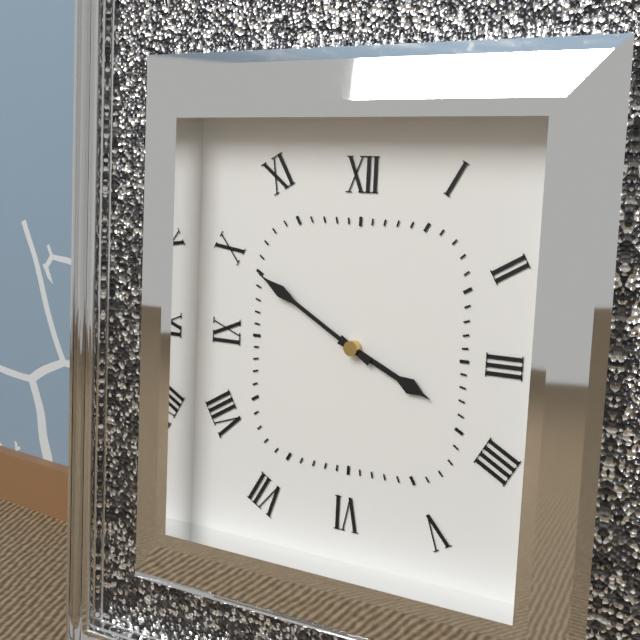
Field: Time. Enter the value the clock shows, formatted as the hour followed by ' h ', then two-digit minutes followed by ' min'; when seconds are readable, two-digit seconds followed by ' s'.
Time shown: 3 h 50 min
